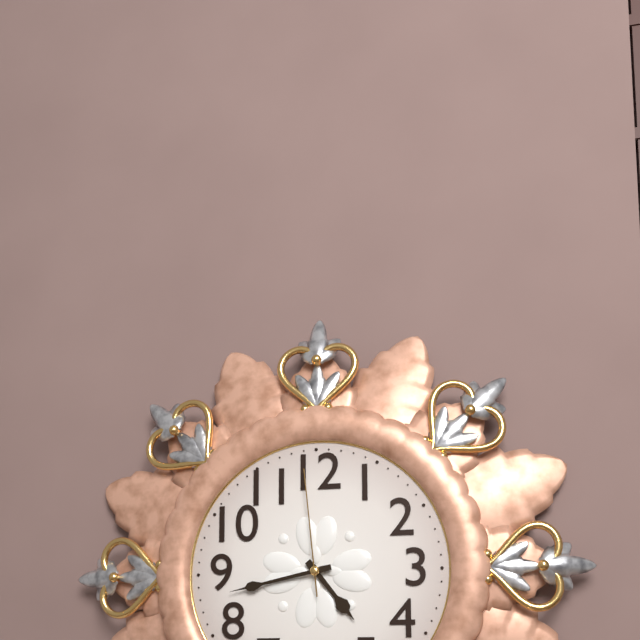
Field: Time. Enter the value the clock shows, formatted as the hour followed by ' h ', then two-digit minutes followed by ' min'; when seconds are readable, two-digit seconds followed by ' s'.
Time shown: 4 h 43 min 59 s
